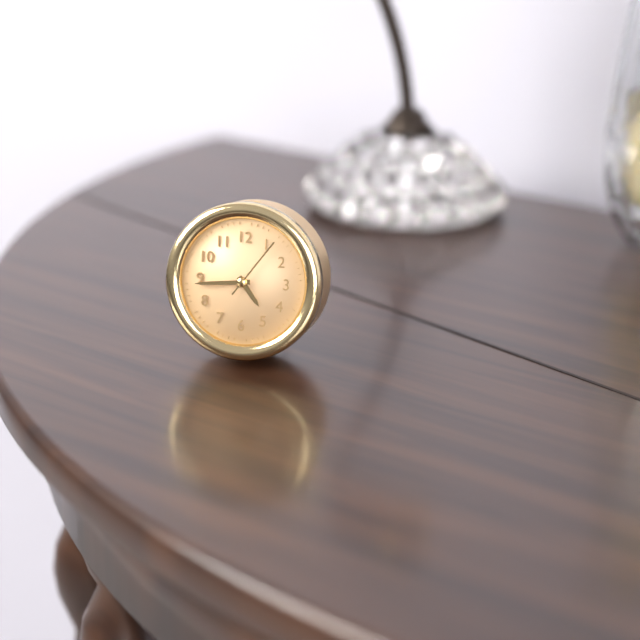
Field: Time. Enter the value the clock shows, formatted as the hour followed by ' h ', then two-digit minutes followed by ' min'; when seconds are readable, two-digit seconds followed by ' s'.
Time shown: 4 h 44 min 06 s
